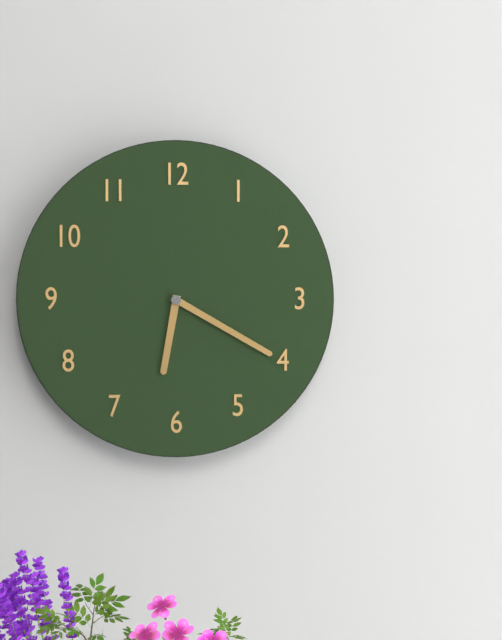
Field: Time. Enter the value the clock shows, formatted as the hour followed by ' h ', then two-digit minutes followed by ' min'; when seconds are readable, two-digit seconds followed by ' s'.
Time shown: 6 h 20 min
